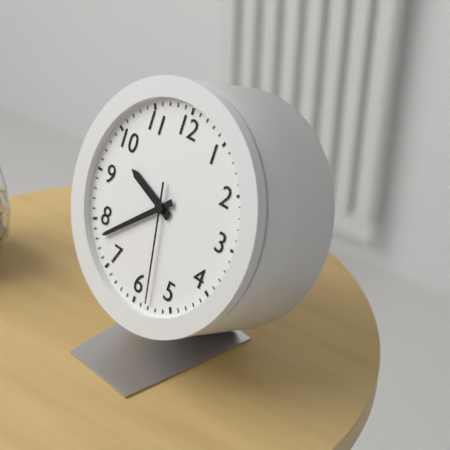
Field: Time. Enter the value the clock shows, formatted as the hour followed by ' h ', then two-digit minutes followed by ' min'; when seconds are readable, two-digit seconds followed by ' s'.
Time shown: 9 h 38 min 28 s
